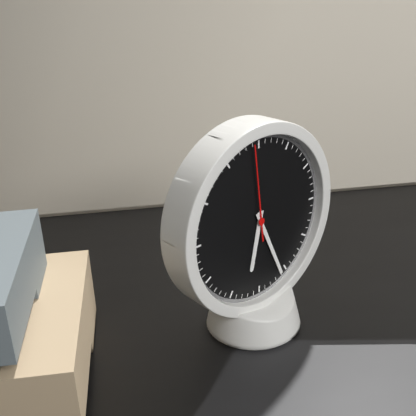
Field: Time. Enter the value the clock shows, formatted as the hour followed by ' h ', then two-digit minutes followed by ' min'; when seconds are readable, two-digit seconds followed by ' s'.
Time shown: 6 h 26 min 59 s
